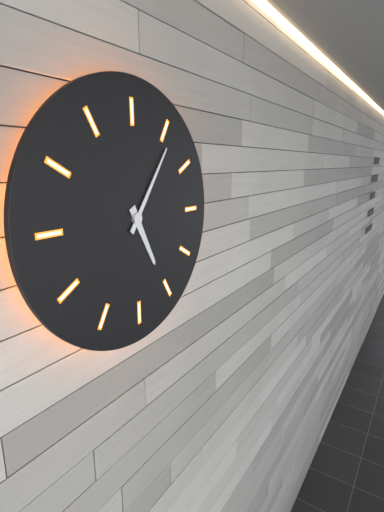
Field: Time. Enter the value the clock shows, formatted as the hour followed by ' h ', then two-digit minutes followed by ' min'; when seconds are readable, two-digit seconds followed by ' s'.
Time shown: 5 h 06 min
